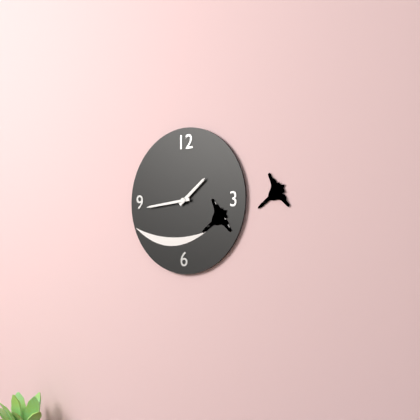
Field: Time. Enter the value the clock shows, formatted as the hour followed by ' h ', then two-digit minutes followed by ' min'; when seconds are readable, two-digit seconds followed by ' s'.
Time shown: 1 h 44 min
